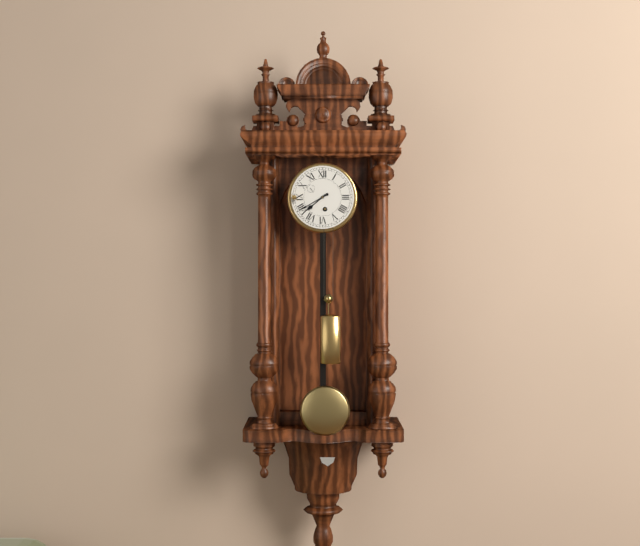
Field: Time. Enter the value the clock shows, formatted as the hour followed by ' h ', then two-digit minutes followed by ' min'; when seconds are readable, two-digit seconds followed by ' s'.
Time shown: 7 h 40 min
